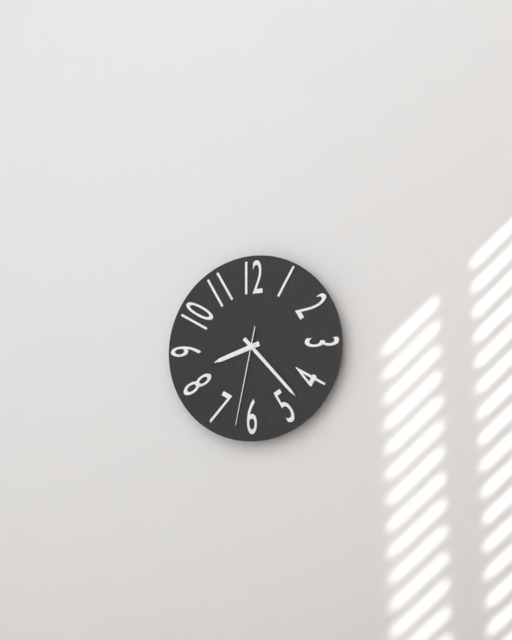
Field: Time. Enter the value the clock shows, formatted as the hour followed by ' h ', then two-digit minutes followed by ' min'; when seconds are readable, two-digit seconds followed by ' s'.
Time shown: 8 h 23 min 32 s
